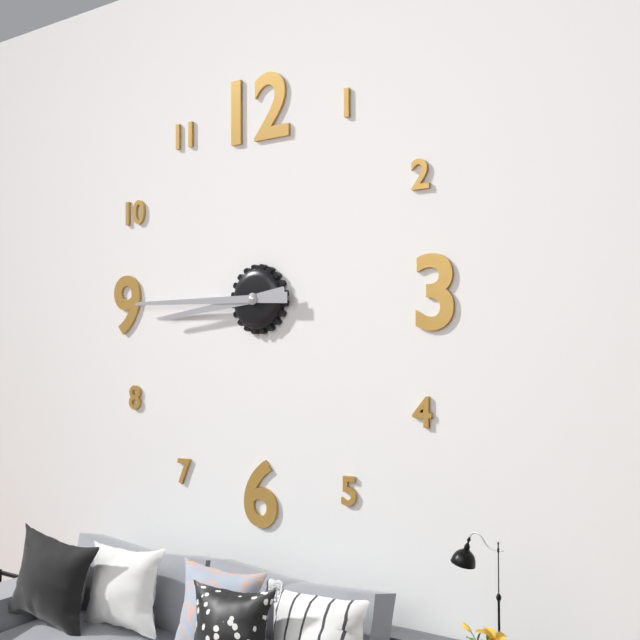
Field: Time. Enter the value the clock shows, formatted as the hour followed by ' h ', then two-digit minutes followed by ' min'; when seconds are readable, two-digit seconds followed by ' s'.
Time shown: 8 h 45 min
